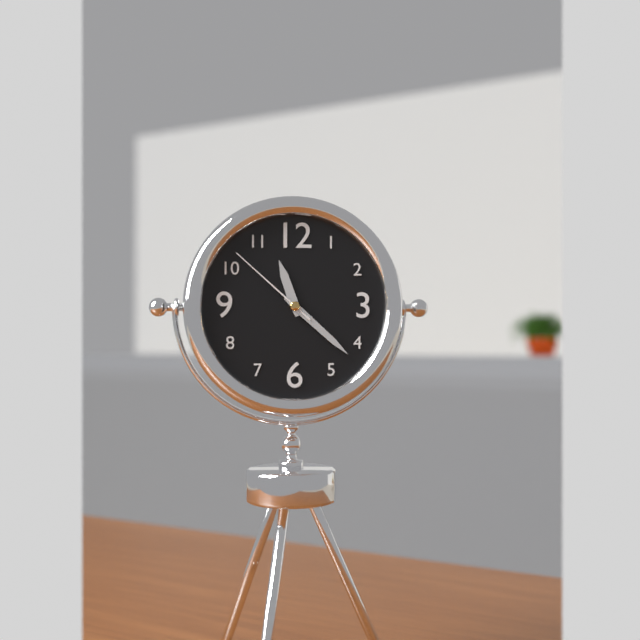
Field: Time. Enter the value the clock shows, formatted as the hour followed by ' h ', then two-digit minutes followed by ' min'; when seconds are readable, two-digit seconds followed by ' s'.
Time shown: 11 h 22 min 52 s
